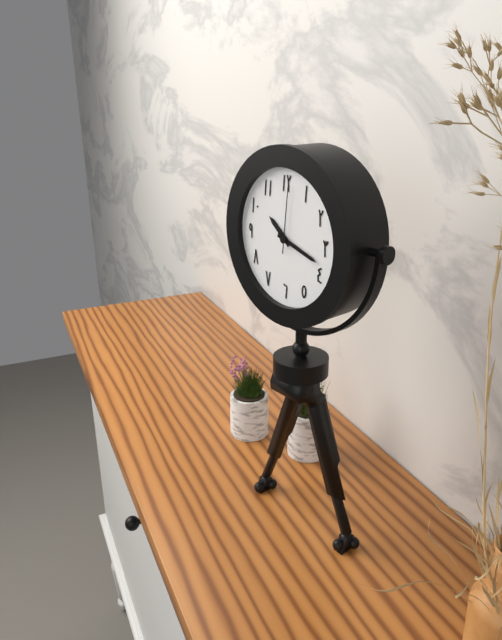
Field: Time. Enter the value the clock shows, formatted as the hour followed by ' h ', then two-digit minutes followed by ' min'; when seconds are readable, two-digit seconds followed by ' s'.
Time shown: 10 h 18 min 01 s
